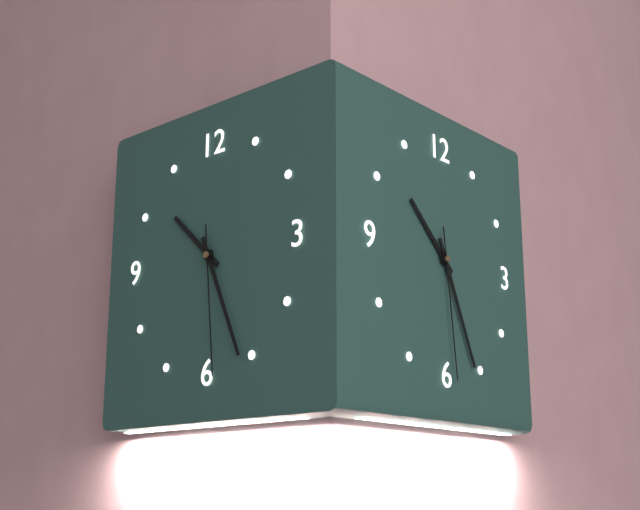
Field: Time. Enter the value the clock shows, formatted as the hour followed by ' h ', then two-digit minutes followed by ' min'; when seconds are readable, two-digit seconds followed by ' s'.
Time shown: 10 h 26 min 29 s
